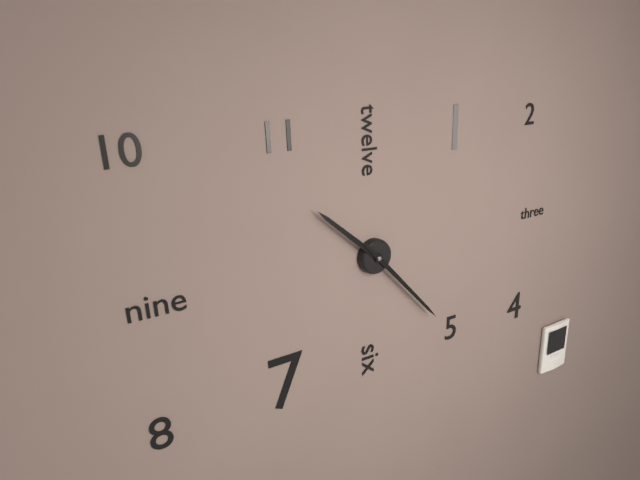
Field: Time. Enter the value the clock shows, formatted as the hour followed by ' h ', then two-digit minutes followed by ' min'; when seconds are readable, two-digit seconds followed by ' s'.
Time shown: 10 h 23 min
